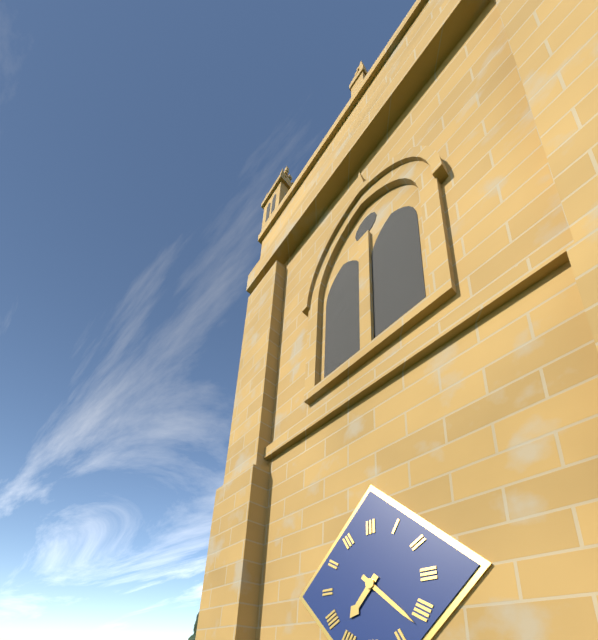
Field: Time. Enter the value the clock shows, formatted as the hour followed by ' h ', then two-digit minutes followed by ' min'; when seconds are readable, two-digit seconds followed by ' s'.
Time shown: 7 h 22 min
